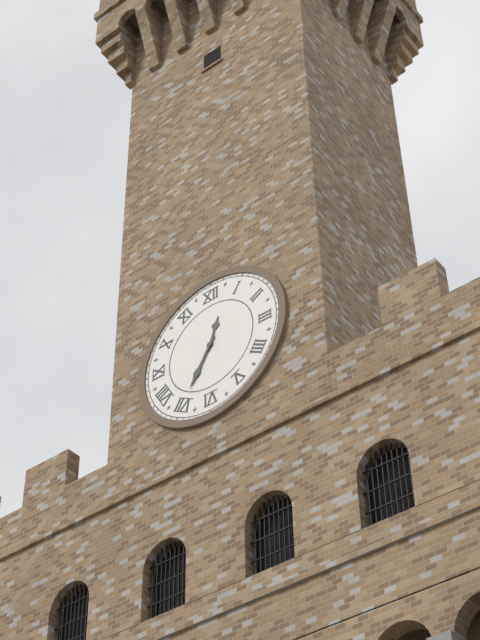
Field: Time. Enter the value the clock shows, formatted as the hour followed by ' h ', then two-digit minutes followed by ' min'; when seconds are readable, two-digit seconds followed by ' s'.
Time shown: 12 h 35 min
